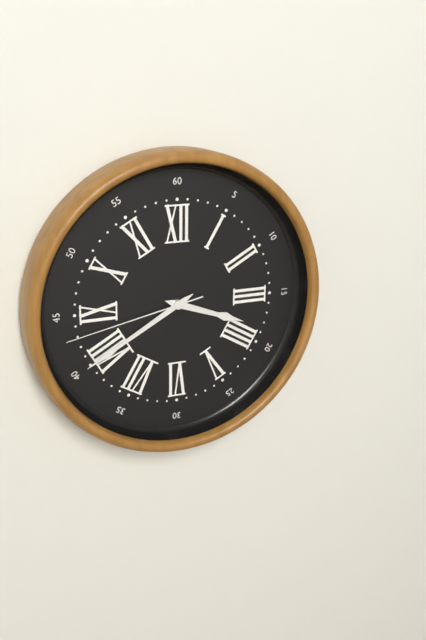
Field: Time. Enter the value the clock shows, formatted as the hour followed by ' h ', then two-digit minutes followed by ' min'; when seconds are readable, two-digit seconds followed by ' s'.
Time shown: 3 h 40 min 43 s
